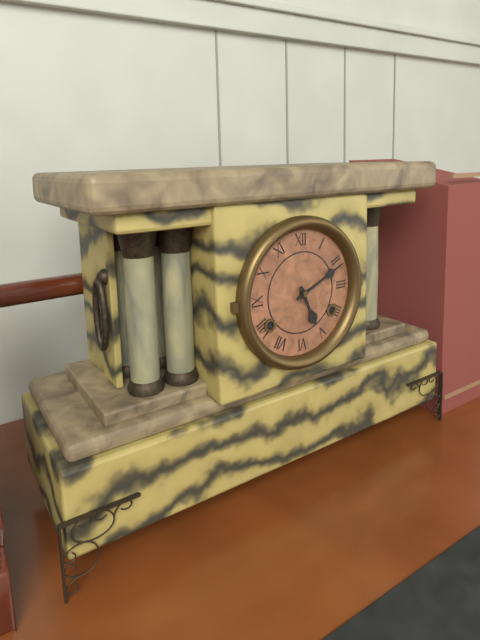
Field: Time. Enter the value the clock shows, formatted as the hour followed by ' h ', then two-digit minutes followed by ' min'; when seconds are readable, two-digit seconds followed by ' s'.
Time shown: 5 h 11 min
